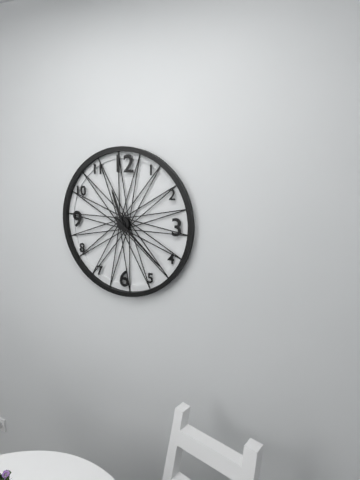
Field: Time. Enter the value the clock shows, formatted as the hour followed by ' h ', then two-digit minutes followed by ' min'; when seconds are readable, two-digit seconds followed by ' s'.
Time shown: 11 h 22 min
